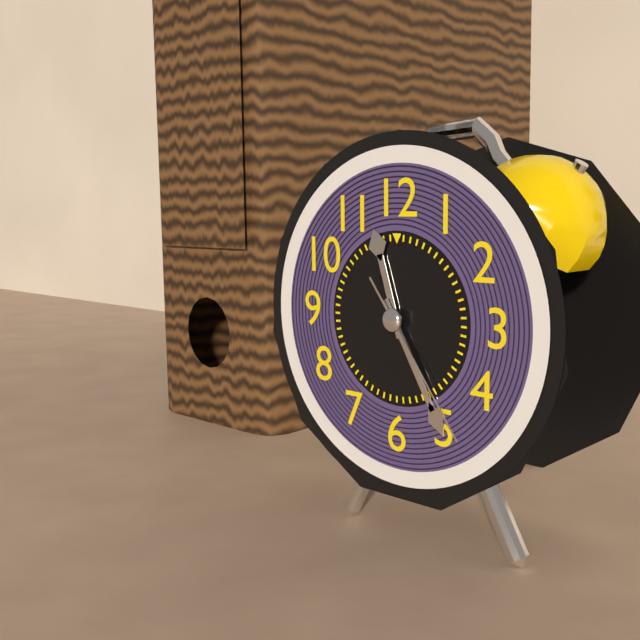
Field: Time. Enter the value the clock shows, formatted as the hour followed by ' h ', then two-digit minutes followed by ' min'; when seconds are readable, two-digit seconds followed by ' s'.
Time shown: 11 h 25 min 24 s
